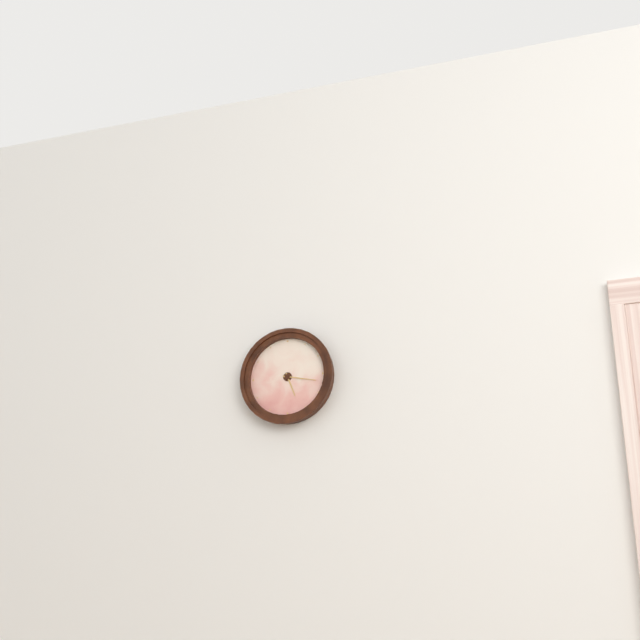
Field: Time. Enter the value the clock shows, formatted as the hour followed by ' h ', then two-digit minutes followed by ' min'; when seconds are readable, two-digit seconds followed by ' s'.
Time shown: 5 h 17 min
